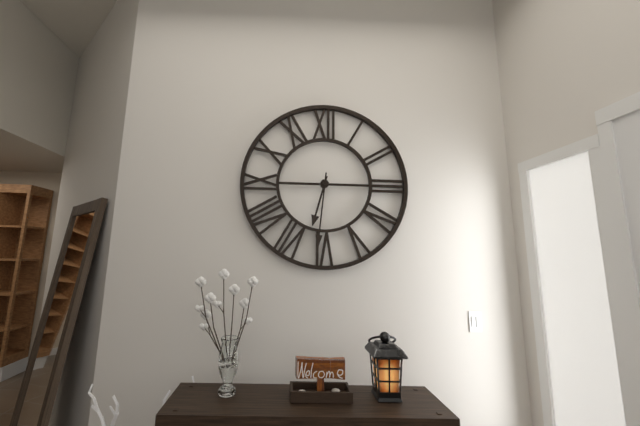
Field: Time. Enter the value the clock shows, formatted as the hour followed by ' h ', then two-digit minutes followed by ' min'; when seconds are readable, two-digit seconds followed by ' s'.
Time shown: 6 h 31 min
